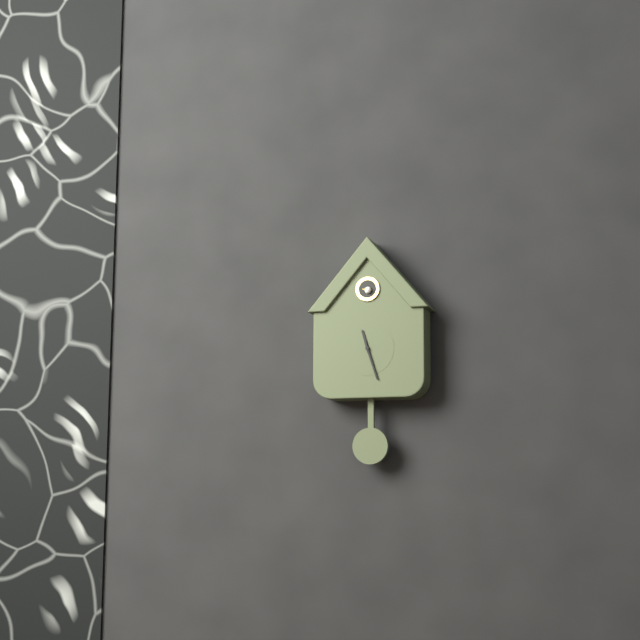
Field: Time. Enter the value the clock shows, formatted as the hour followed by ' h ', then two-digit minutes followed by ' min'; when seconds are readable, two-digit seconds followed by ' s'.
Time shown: 11 h 27 min
